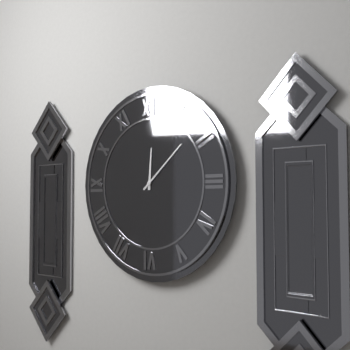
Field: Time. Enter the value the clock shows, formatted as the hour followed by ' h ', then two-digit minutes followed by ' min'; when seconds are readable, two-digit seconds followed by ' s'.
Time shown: 12 h 08 min
